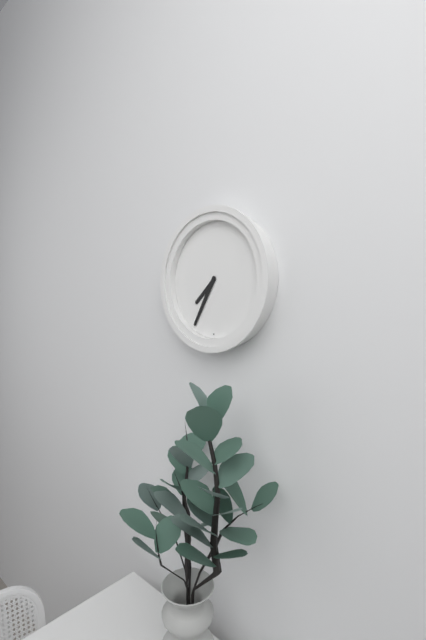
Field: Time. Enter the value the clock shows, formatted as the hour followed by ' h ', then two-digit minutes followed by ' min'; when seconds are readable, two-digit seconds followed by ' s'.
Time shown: 7 h 35 min
